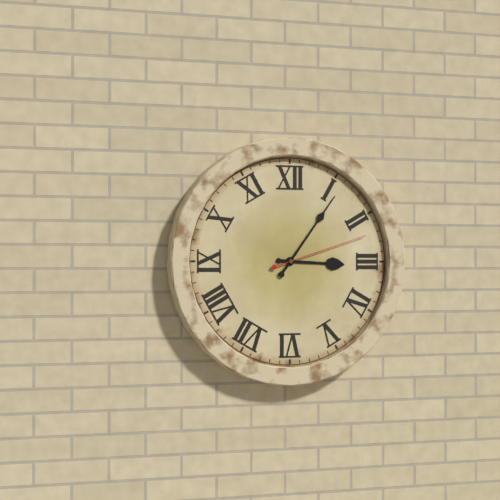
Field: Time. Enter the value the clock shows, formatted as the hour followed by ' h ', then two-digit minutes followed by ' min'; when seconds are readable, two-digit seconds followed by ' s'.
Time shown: 3 h 06 min 12 s
